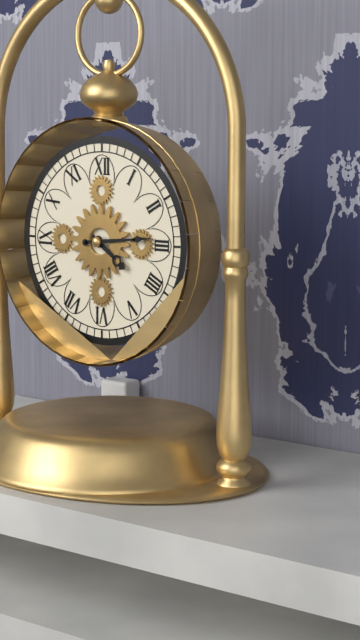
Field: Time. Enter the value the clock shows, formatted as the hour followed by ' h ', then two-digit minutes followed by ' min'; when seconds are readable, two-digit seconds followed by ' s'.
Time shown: 4 h 14 min
